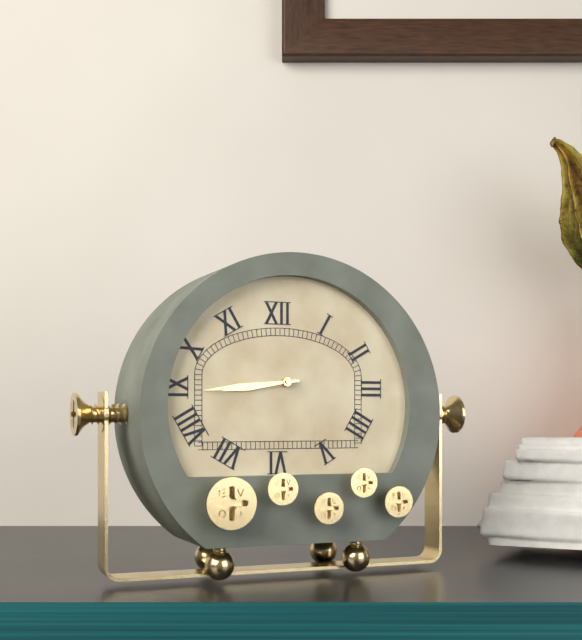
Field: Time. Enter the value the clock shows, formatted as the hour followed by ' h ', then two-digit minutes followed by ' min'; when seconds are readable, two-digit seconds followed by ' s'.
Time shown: 8 h 44 min
